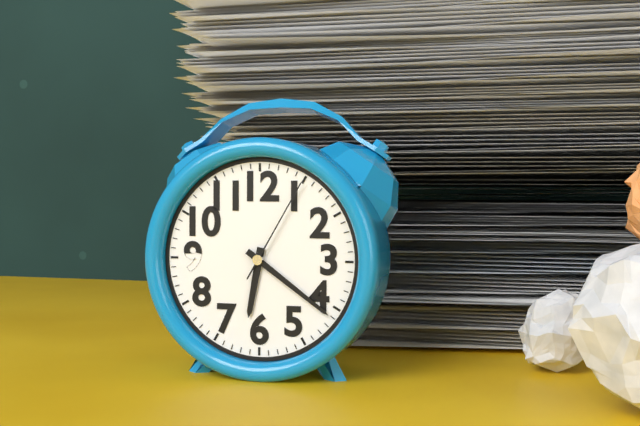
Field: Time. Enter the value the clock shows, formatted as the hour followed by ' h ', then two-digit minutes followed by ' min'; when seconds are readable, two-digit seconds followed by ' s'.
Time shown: 6 h 21 min 05 s
